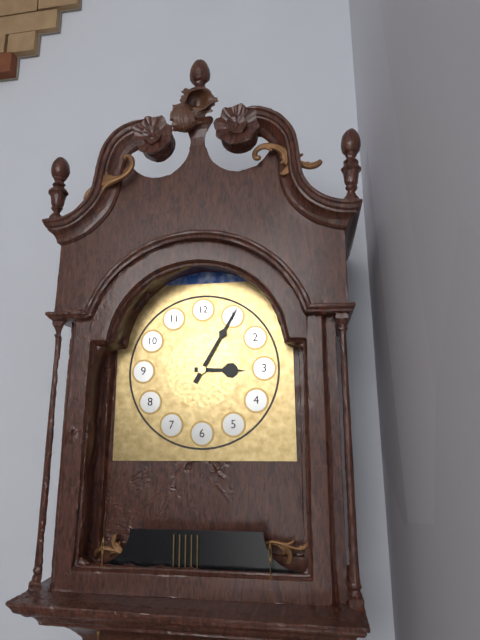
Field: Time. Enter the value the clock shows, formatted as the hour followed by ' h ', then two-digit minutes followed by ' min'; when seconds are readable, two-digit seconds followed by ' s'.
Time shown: 3 h 05 min
